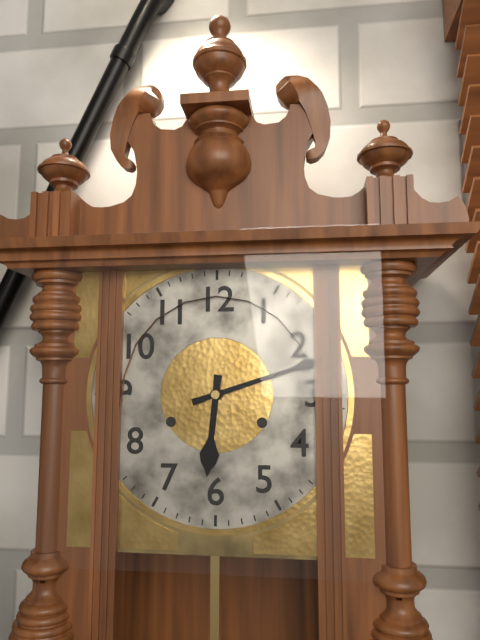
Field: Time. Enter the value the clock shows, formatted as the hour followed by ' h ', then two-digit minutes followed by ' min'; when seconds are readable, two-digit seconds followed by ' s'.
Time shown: 6 h 12 min
